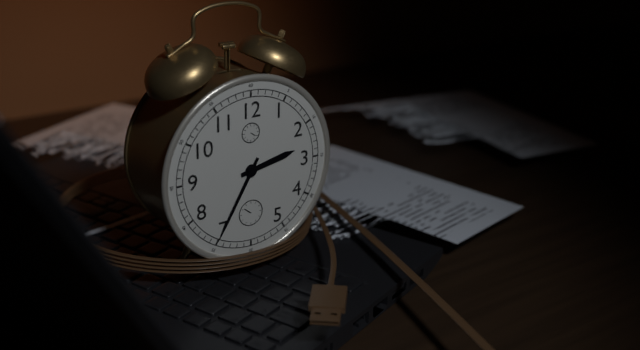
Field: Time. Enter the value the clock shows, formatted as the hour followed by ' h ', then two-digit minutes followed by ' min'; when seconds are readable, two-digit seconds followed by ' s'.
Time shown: 2 h 35 min
